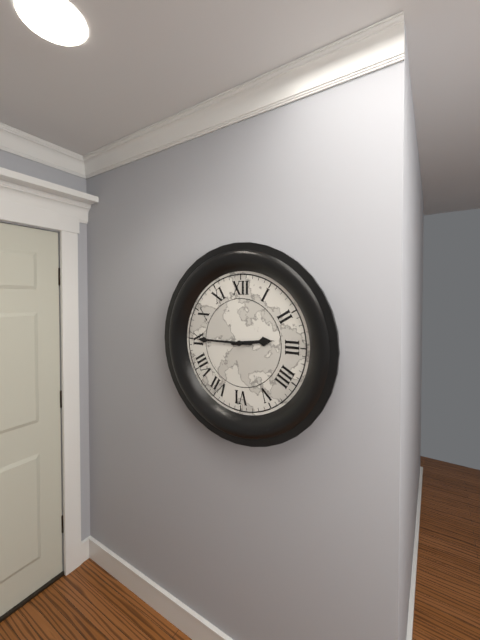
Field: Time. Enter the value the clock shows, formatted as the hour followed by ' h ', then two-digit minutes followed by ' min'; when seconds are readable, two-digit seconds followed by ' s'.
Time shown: 2 h 45 min
